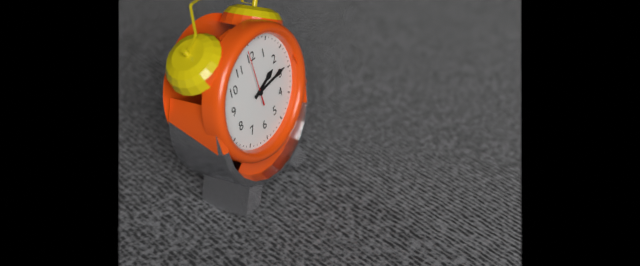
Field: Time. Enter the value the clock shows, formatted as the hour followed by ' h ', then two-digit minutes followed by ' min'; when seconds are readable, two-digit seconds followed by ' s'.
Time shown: 2 h 14 min 59 s
